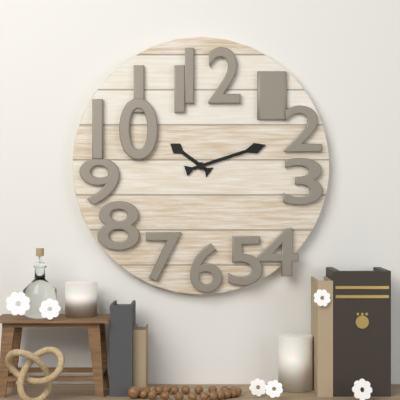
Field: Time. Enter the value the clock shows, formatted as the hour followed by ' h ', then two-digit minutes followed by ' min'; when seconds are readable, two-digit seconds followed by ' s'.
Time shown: 10 h 12 min
